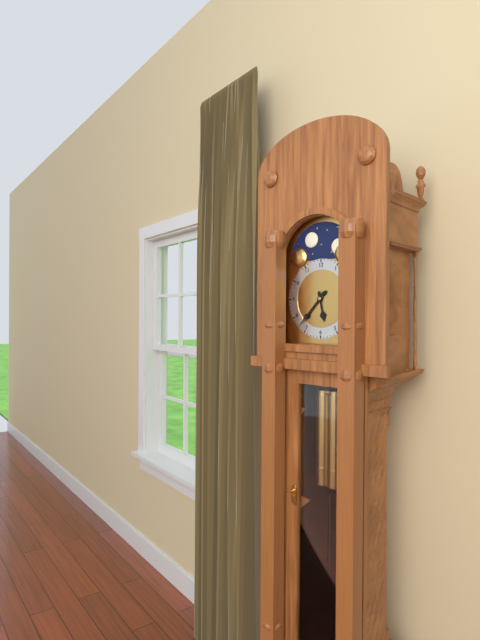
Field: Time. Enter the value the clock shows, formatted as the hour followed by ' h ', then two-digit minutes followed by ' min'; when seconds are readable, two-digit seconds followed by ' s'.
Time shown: 5 h 37 min
